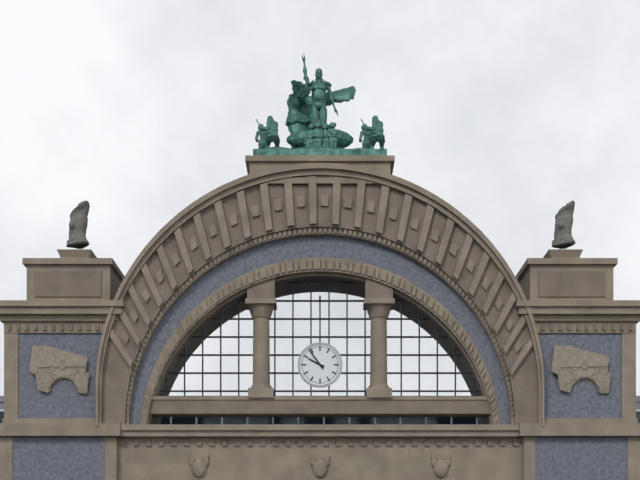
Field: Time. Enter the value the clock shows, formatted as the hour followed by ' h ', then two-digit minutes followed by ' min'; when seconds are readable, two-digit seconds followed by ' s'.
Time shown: 9 h 54 min
